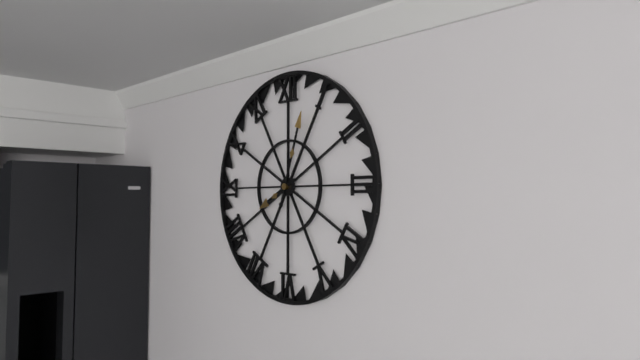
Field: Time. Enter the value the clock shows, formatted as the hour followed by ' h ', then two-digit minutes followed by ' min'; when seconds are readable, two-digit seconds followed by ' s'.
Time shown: 8 h 03 min
